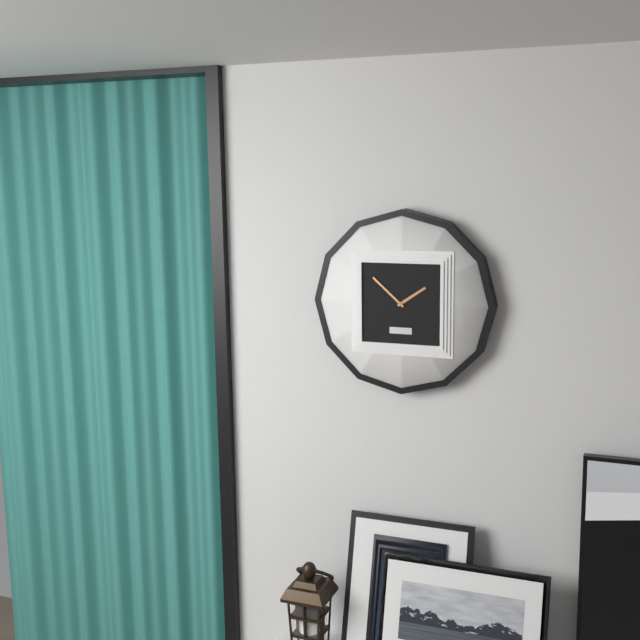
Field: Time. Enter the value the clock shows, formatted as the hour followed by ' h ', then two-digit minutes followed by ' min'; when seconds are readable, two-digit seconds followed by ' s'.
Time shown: 1 h 52 min
